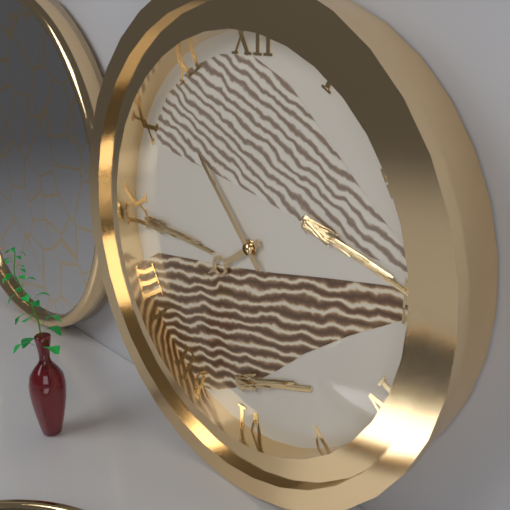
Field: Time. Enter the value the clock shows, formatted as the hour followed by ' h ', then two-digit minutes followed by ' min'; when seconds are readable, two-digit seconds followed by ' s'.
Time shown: 7 h 53 min
